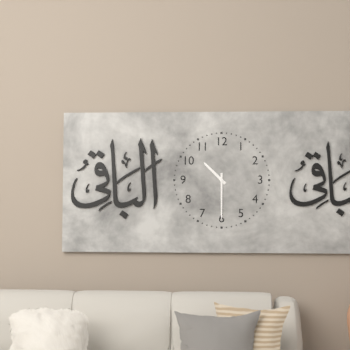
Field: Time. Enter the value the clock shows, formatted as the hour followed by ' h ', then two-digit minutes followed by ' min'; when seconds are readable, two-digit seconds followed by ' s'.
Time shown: 10 h 30 min
